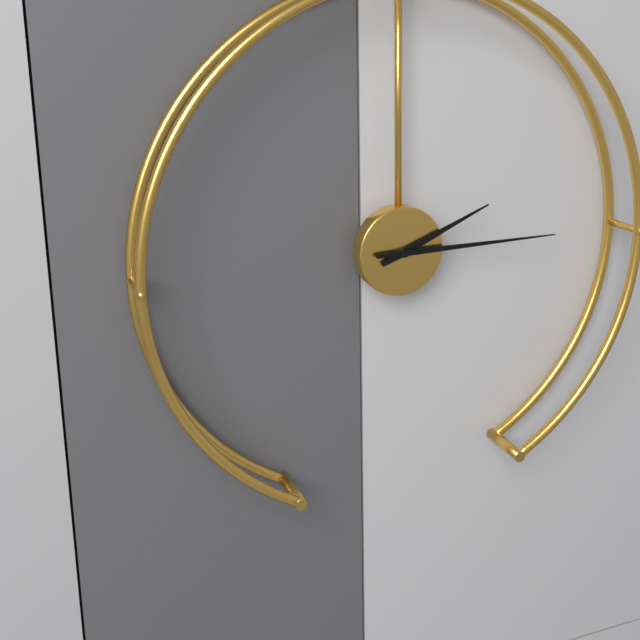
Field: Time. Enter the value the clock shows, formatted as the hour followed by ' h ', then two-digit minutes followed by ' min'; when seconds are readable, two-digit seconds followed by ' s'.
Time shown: 2 h 15 min
